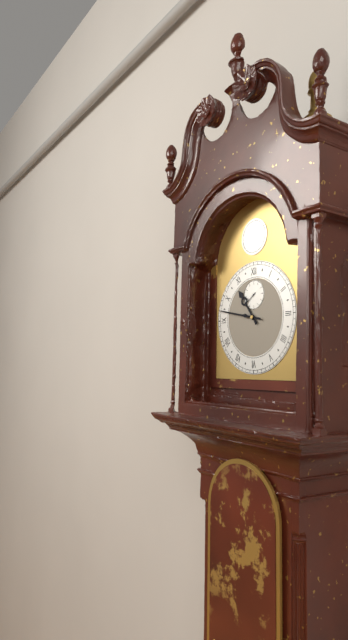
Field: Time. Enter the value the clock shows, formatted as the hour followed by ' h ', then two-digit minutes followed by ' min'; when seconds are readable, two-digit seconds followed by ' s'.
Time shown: 10 h 47 min
